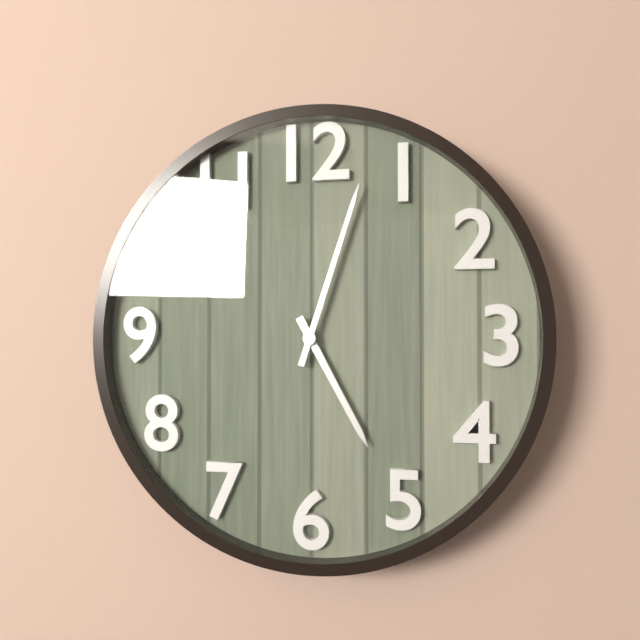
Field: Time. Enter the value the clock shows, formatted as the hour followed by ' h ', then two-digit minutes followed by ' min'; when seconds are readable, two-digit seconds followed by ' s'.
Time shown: 5 h 03 min
